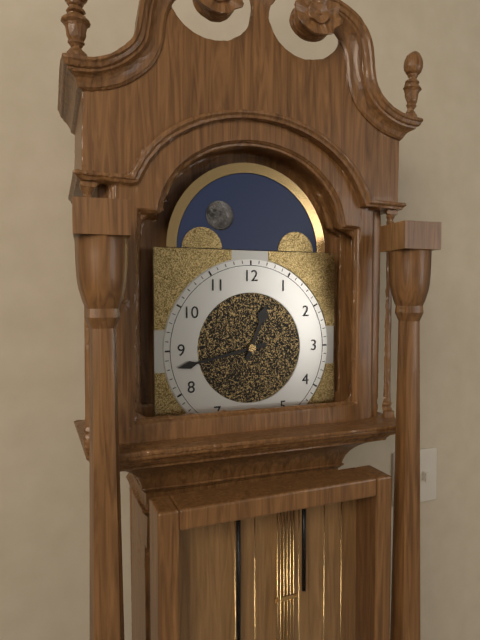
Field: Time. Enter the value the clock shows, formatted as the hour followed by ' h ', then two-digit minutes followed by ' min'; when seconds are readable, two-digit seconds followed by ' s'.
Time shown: 12 h 43 min
